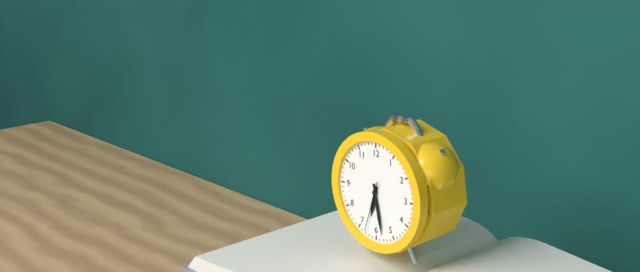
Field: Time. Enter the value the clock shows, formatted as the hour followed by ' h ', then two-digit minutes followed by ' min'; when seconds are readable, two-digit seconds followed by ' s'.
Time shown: 6 h 28 min
